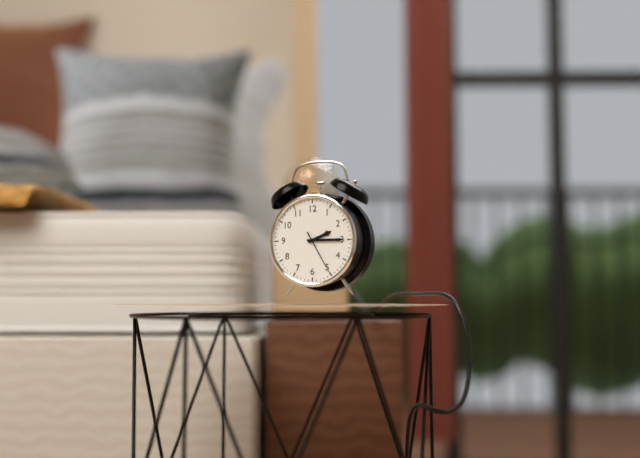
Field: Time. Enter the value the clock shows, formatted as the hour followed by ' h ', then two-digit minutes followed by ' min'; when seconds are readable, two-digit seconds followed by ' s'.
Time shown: 2 h 15 min
